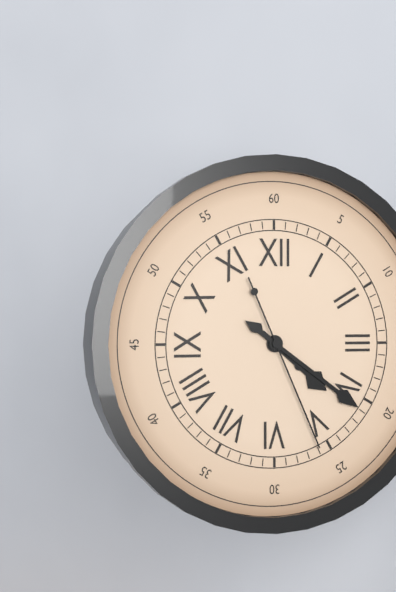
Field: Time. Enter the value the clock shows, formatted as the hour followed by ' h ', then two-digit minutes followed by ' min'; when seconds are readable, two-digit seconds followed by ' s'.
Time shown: 4 h 21 min 26 s
